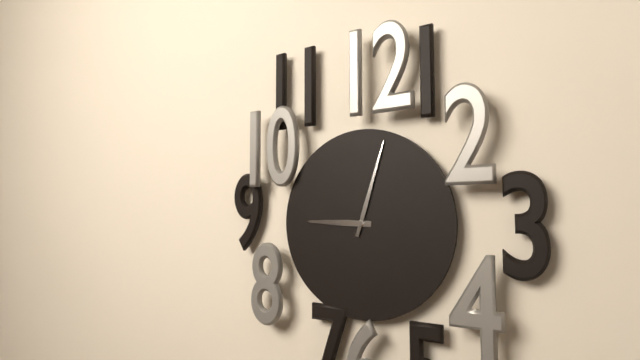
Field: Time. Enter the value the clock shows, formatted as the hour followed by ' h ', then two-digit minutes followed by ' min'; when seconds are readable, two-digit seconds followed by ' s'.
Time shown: 9 h 03 min
